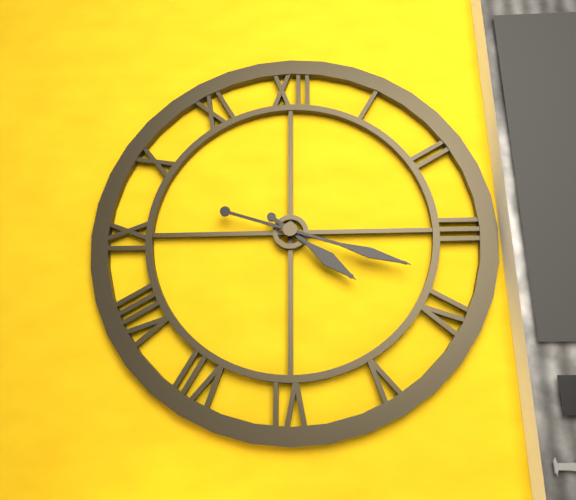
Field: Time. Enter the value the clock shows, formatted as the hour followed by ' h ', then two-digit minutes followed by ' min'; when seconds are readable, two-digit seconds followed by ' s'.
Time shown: 4 h 18 min
